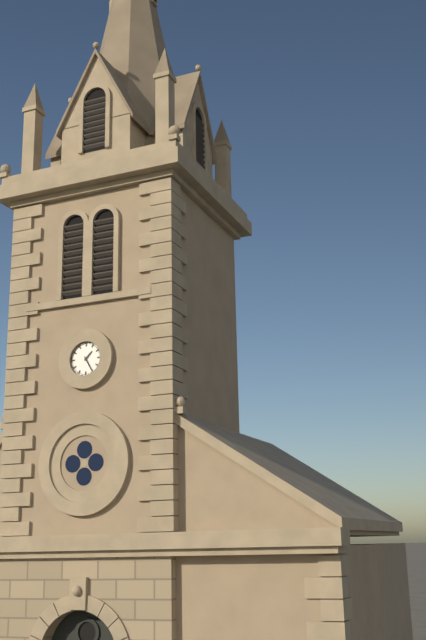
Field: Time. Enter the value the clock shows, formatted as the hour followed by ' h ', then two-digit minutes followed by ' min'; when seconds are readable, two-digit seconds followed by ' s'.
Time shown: 1 h 25 min
